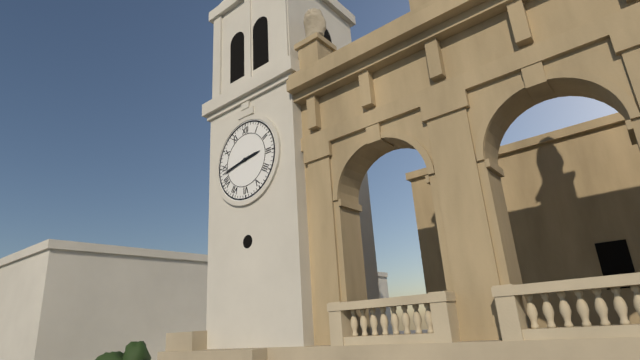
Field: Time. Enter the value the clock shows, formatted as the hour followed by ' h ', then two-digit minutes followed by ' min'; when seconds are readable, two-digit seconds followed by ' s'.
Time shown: 2 h 43 min
